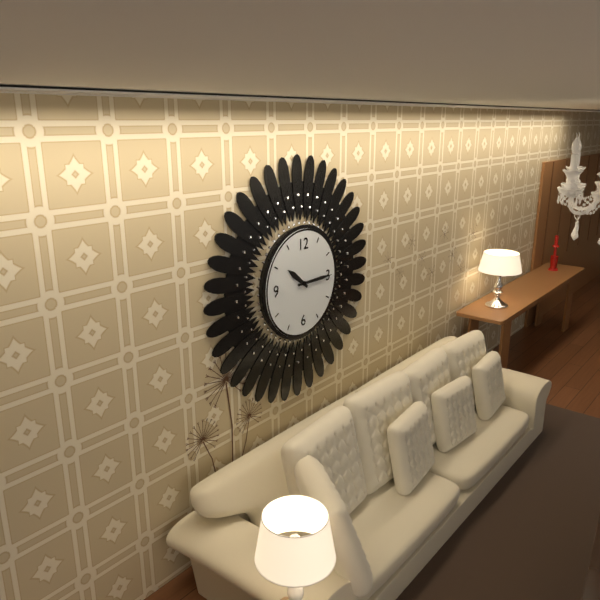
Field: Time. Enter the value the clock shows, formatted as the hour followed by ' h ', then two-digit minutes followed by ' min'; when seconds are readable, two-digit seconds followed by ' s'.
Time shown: 10 h 15 min
